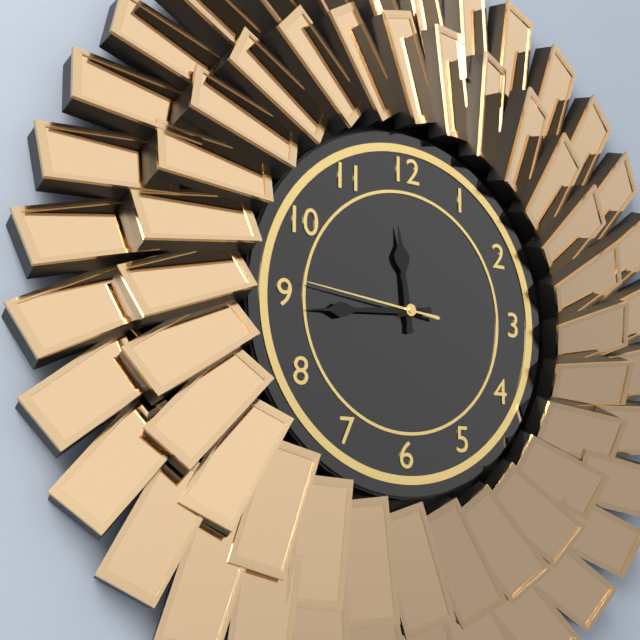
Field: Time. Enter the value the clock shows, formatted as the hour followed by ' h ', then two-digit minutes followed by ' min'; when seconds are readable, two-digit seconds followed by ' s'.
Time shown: 11 h 44 min 46 s
